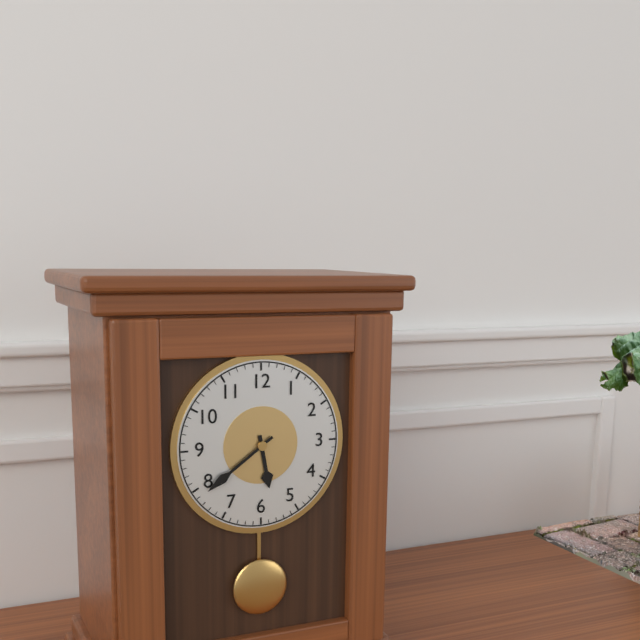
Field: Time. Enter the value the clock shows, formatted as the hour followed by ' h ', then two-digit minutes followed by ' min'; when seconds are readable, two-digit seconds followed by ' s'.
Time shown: 5 h 39 min
